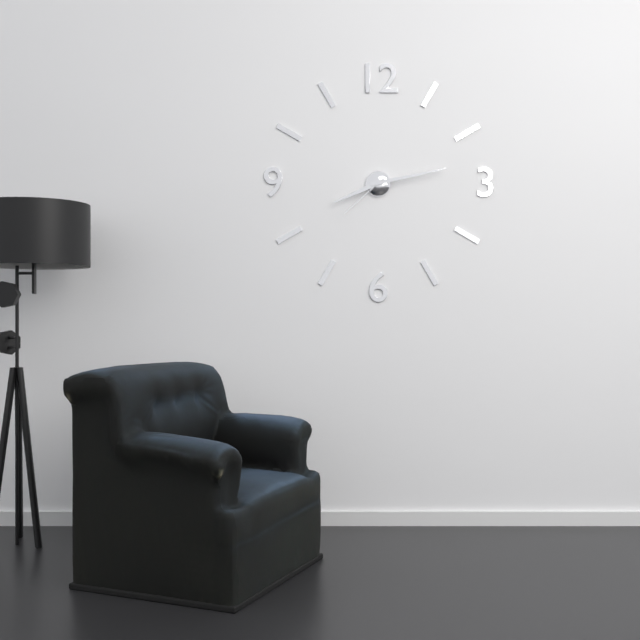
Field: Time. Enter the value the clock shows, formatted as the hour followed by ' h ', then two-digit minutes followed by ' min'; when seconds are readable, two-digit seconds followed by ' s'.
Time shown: 8 h 13 min 38 s
